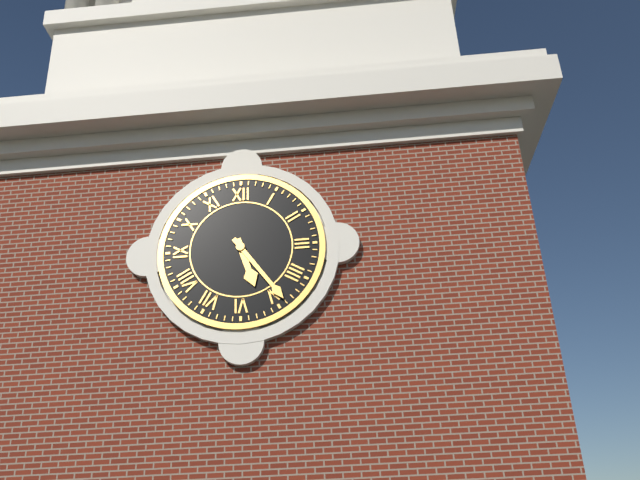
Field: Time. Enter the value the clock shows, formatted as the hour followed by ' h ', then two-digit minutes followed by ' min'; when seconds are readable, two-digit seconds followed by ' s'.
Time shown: 5 h 24 min
